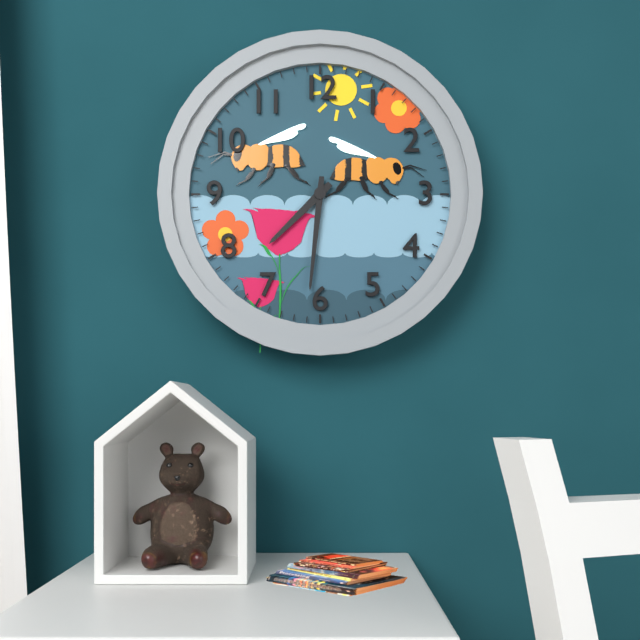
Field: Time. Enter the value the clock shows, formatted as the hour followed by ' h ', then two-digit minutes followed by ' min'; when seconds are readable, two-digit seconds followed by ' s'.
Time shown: 7 h 31 min
